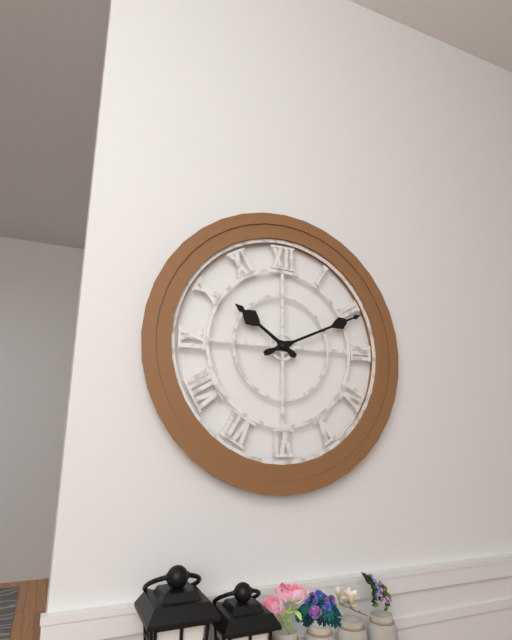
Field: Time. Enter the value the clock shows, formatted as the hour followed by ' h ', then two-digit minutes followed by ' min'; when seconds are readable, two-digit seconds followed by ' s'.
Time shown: 10 h 11 min
